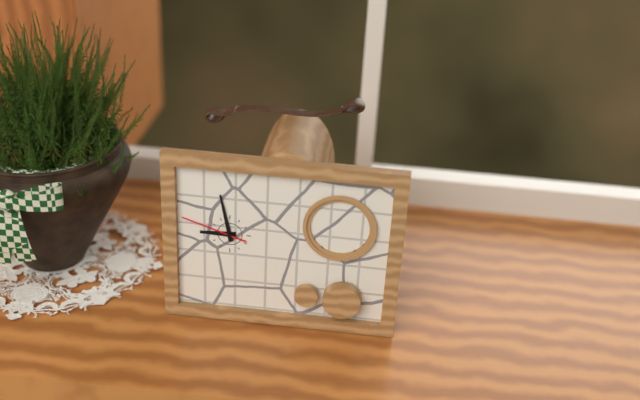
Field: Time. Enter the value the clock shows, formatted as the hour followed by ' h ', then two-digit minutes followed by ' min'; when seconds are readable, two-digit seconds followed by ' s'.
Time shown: 8 h 58 min 48 s
